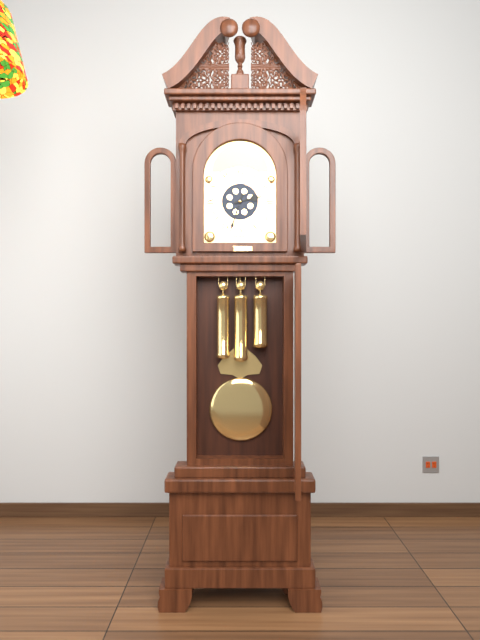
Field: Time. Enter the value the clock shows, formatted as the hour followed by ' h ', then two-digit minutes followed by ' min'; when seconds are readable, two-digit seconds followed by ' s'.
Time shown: 2 h 33 min
